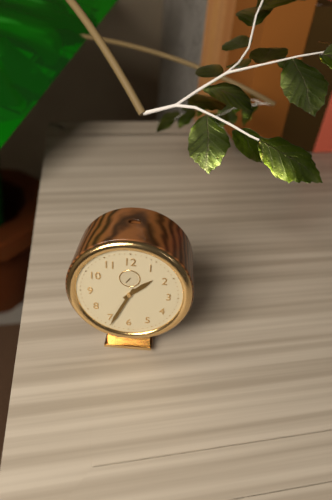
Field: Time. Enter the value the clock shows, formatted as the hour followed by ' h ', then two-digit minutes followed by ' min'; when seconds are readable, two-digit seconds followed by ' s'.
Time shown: 1 h 34 min
